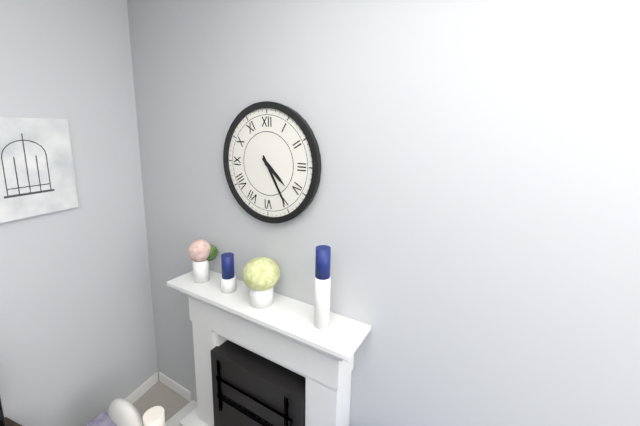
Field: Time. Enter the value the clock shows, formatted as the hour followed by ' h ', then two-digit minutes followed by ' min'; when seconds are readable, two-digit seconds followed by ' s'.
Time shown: 4 h 25 min
